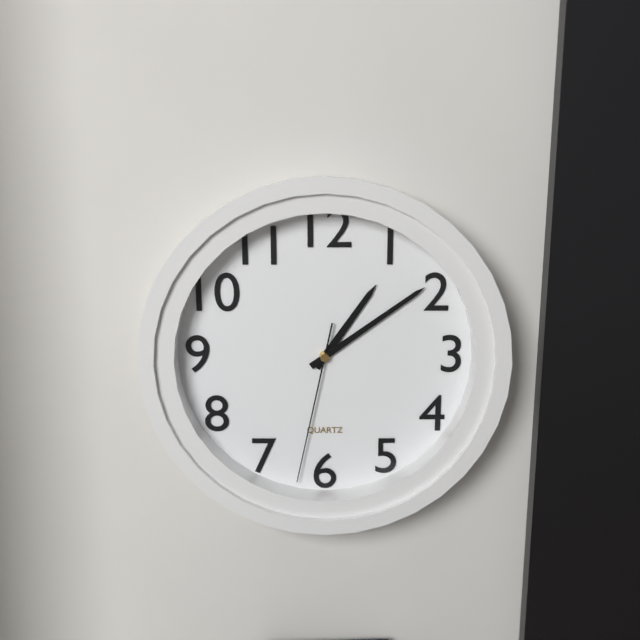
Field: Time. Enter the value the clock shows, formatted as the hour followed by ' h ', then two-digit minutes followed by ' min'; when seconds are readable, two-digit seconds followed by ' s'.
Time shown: 1 h 09 min 32 s
